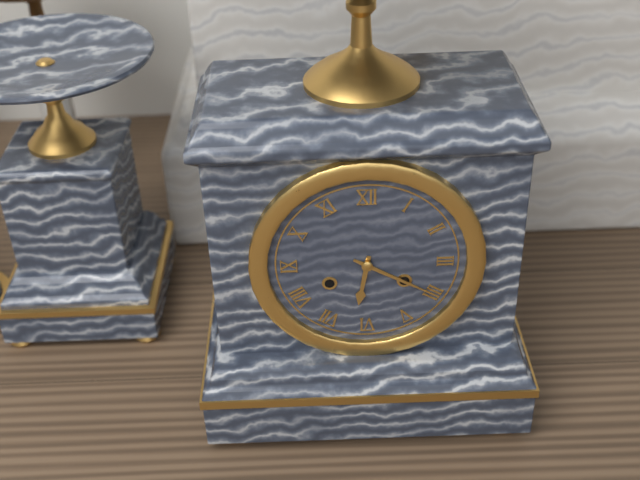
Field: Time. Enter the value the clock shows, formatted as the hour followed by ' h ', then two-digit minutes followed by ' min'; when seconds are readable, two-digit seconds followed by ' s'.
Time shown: 6 h 20 min
